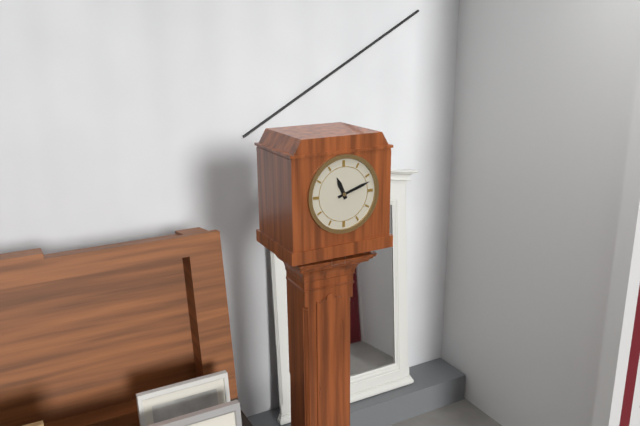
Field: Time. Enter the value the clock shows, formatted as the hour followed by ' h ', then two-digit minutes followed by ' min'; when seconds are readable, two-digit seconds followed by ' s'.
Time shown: 11 h 12 min
